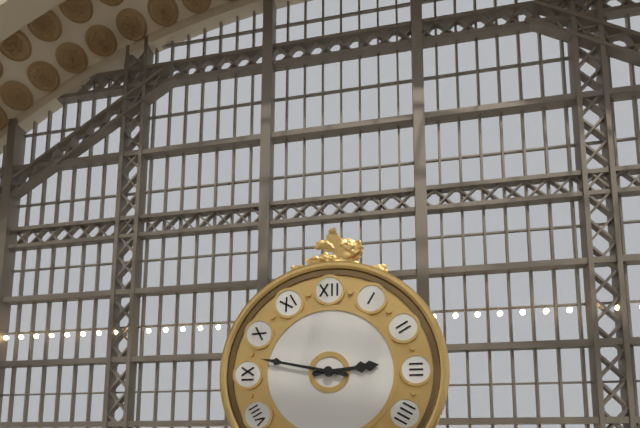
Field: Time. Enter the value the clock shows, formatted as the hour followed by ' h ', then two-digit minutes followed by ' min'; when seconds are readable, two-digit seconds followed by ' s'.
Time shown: 2 h 47 min
